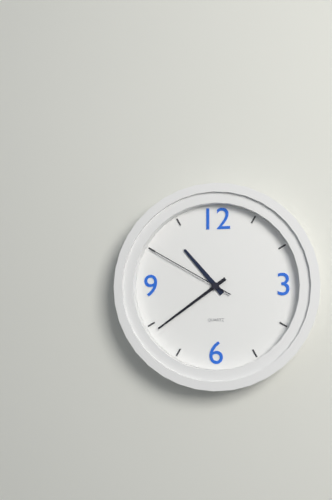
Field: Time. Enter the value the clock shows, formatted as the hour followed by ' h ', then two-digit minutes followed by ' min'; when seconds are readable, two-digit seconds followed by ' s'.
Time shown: 10 h 39 min 50 s
